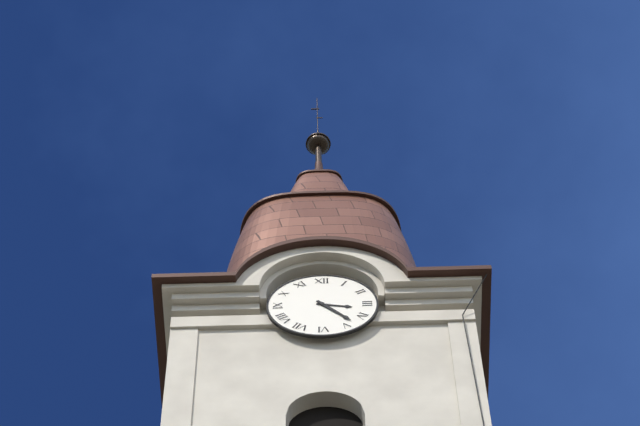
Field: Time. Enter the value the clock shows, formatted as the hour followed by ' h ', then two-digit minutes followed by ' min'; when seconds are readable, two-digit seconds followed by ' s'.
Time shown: 3 h 23 min
